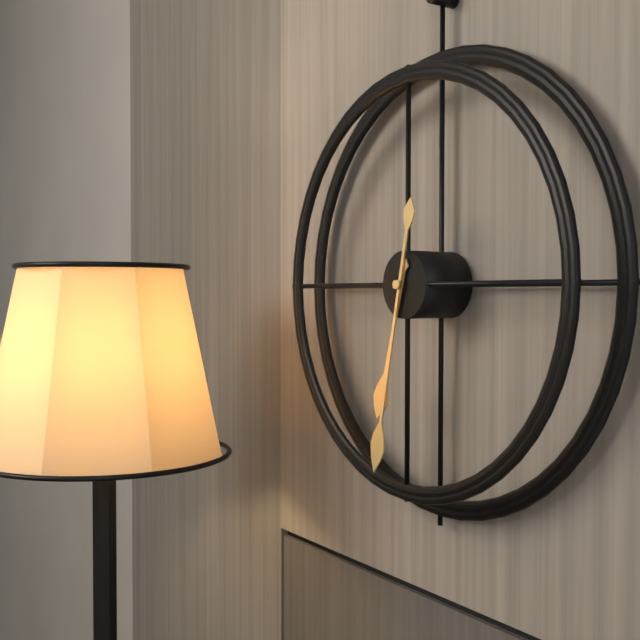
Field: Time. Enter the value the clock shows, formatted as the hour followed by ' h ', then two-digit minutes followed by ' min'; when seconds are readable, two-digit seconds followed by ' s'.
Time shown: 6 h 32 min
